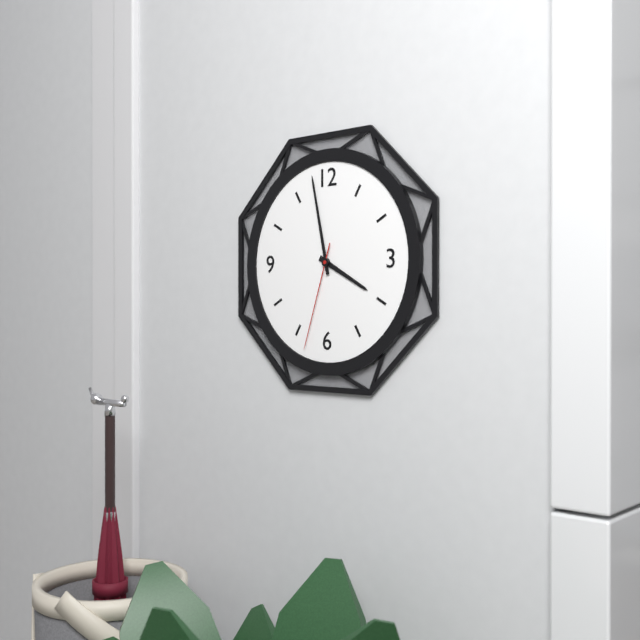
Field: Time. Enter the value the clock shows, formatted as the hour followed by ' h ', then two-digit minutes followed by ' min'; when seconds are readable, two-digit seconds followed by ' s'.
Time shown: 3 h 58 min 33 s
